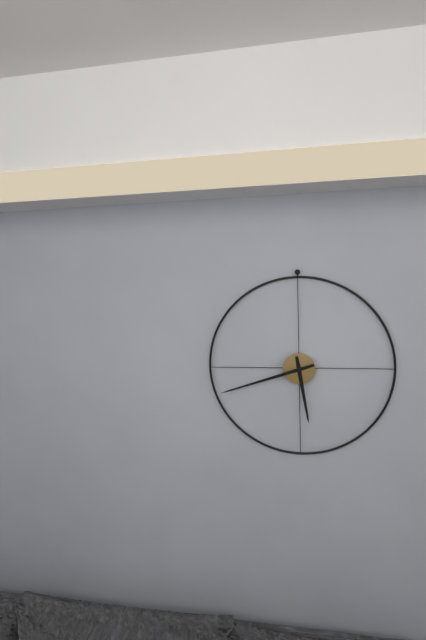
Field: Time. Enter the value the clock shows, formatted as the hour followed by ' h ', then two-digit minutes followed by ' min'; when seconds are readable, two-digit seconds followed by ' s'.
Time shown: 5 h 42 min
